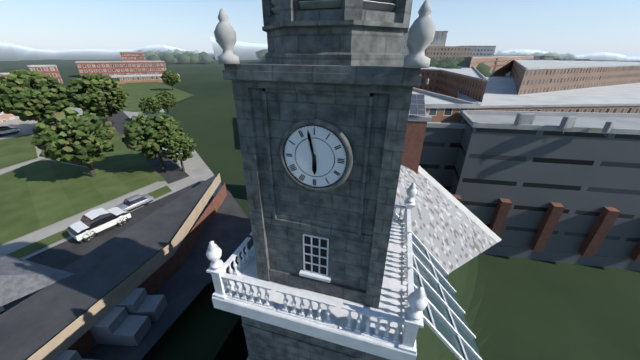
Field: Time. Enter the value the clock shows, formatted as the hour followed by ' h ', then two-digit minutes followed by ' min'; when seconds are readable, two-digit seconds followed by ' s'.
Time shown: 5 h 58 min
